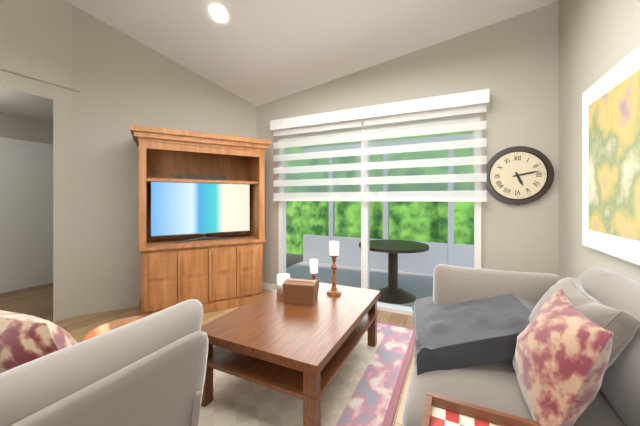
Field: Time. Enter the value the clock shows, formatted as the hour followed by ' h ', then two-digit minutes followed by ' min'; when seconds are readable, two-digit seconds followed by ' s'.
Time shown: 5 h 13 min
